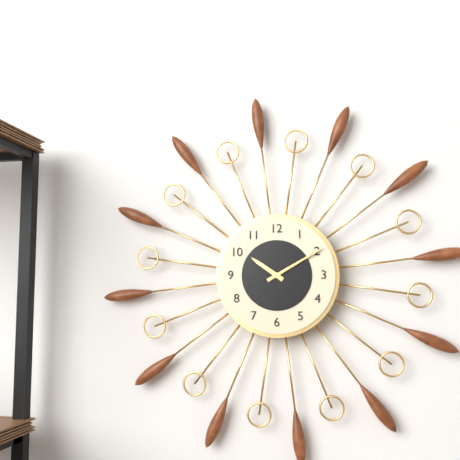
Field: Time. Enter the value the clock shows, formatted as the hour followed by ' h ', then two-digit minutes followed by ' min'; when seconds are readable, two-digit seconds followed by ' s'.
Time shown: 10 h 10 min
